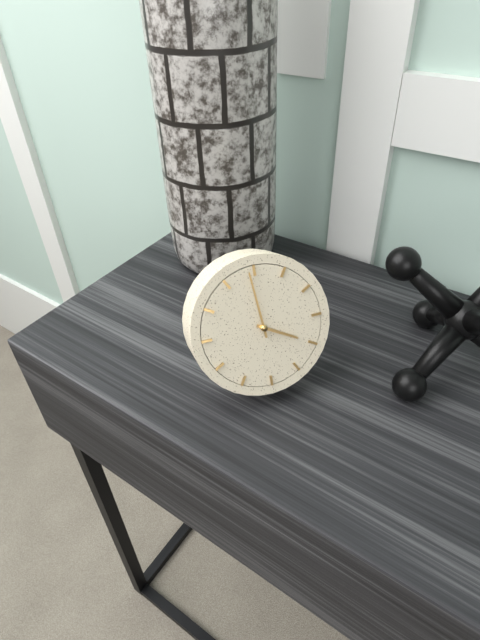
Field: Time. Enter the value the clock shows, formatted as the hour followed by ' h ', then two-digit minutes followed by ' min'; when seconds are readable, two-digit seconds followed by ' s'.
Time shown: 3 h 59 min
